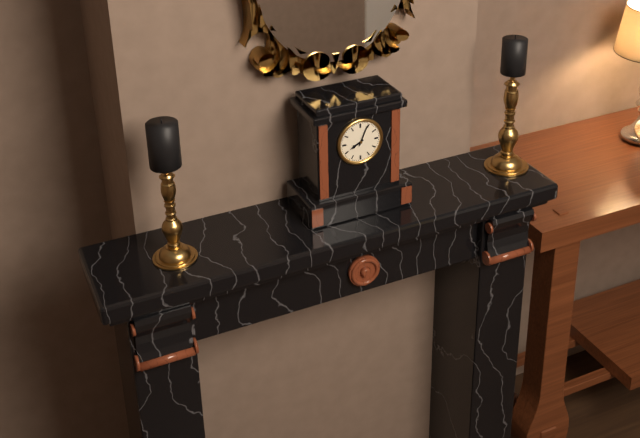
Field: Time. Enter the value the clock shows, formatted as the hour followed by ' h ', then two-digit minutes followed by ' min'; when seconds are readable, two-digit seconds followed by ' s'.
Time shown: 8 h 04 min
